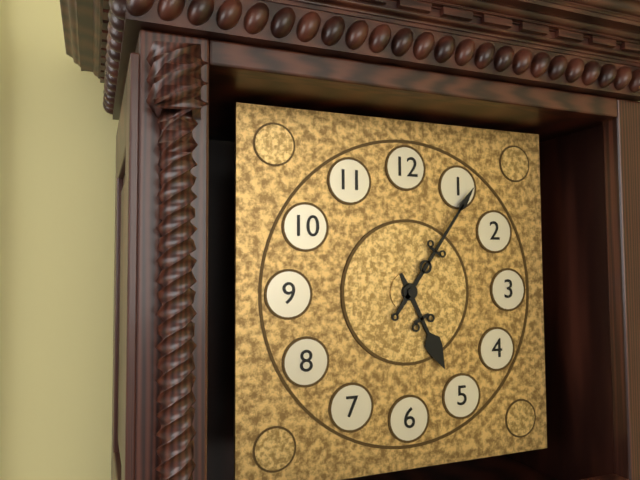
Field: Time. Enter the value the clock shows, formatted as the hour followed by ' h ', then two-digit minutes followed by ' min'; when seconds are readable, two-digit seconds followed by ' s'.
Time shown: 5 h 06 min
